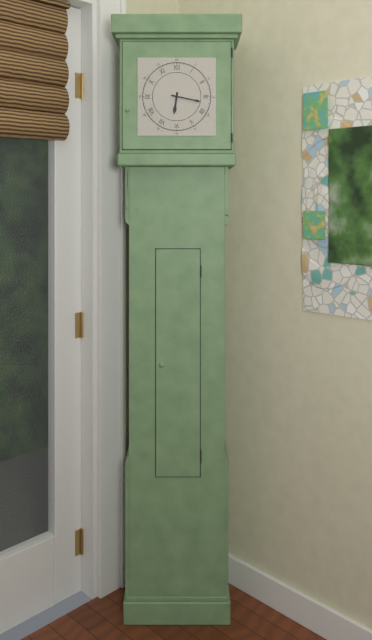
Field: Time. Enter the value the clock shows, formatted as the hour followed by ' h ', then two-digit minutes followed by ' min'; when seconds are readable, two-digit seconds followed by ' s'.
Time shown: 6 h 17 min
